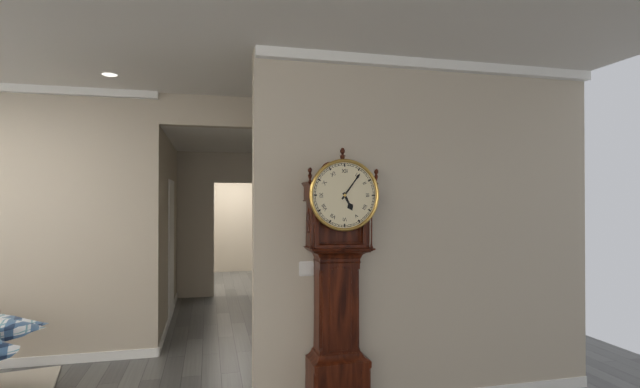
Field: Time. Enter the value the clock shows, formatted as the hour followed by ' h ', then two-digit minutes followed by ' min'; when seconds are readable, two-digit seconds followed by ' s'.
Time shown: 5 h 06 min
